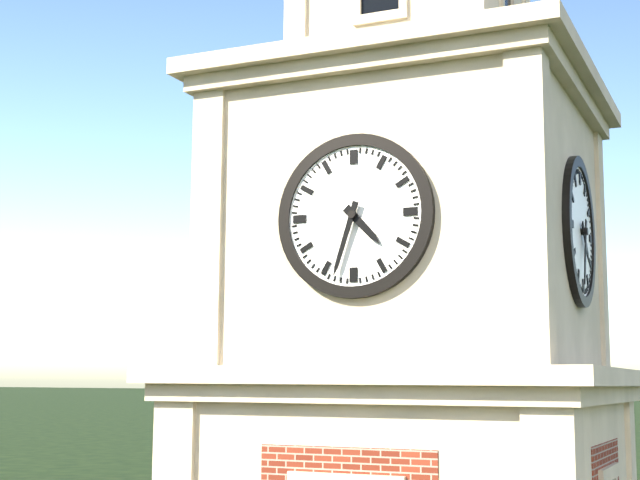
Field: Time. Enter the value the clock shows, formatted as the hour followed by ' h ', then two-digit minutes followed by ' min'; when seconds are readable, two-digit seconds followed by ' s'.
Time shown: 4 h 33 min
